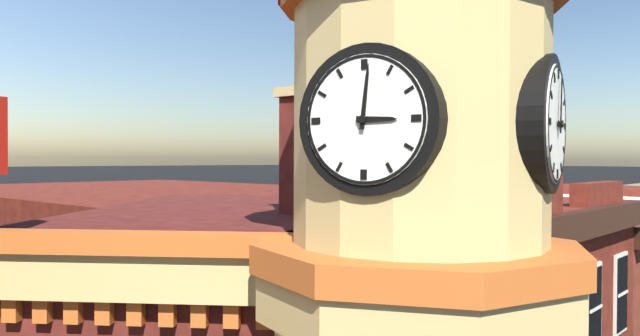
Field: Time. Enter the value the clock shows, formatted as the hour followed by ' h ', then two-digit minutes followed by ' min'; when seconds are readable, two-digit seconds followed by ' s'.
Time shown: 3 h 01 min
